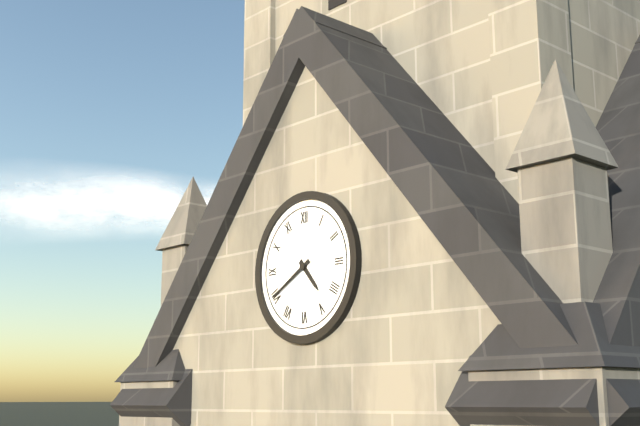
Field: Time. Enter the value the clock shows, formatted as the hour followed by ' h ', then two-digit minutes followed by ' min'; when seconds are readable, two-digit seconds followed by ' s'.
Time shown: 4 h 40 min
